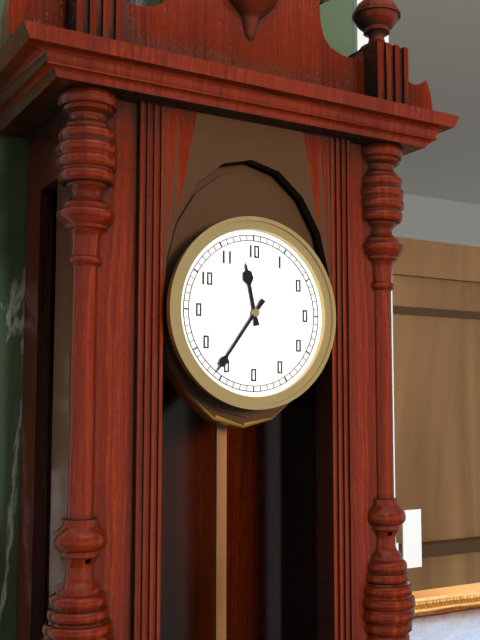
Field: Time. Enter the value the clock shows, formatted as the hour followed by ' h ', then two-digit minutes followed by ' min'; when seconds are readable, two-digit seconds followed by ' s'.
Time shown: 11 h 36 min
